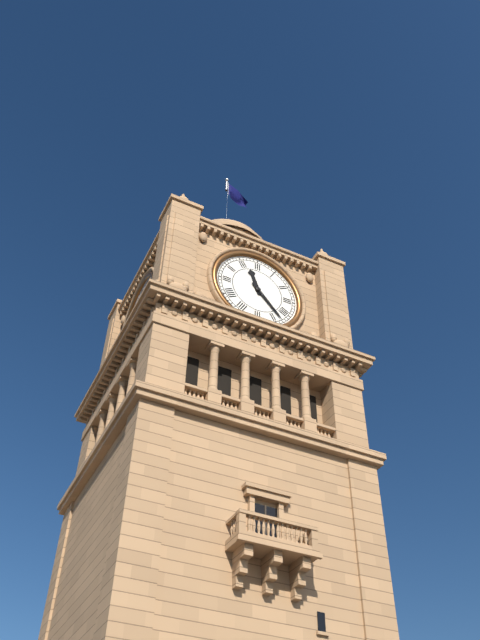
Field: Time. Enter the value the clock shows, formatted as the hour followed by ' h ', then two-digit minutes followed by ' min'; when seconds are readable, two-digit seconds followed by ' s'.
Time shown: 11 h 23 min
